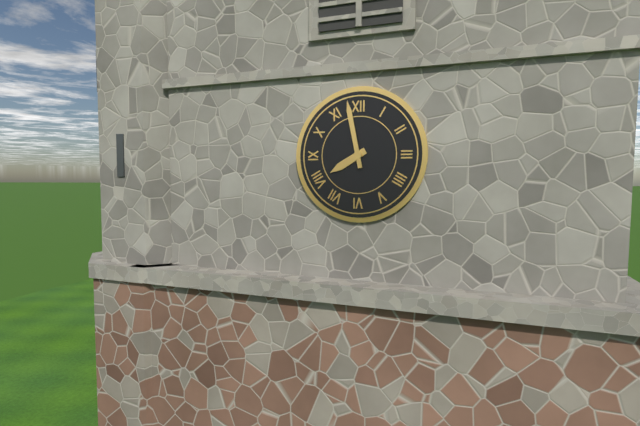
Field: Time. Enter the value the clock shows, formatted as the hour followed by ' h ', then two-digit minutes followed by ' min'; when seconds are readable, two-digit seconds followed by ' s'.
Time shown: 7 h 58 min
